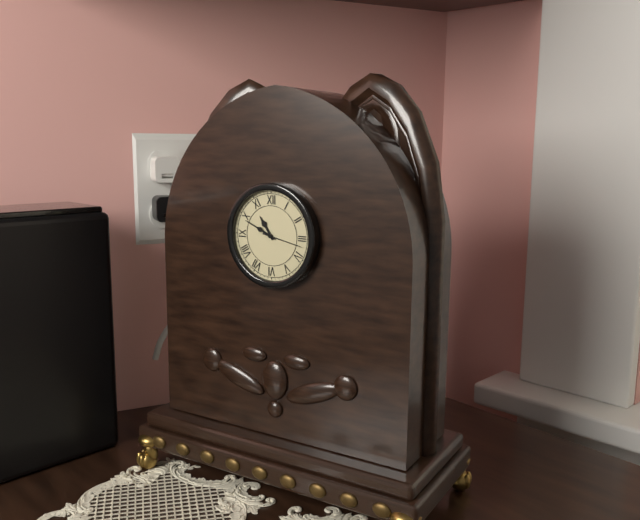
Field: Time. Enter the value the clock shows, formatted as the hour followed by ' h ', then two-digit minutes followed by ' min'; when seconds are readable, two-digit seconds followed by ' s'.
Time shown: 10 h 49 min
